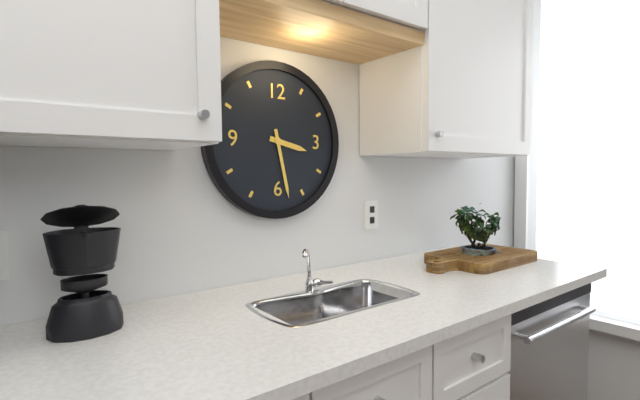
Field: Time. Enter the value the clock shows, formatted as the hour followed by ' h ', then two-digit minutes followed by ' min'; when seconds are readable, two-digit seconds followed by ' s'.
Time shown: 3 h 28 min
